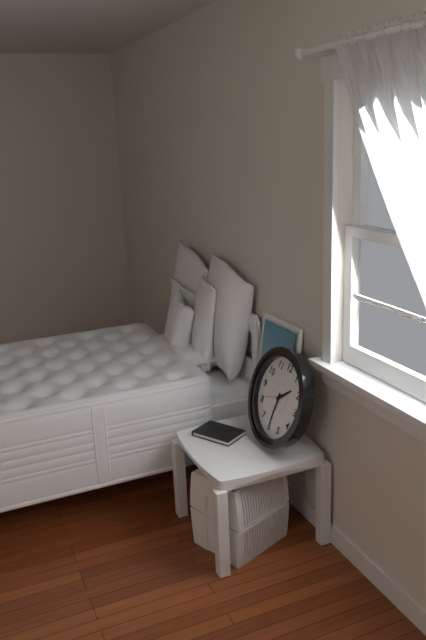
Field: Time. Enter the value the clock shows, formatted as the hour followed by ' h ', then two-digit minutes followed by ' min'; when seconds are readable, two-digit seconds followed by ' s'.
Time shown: 1 h 30 min
